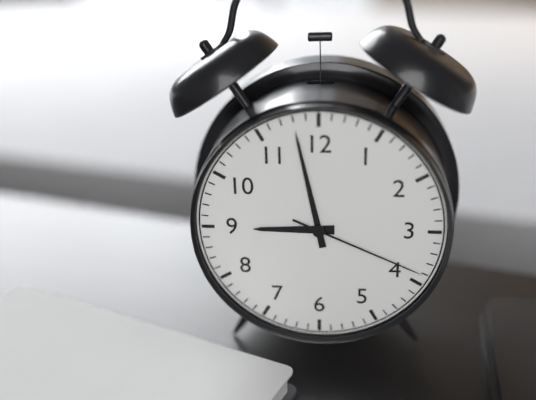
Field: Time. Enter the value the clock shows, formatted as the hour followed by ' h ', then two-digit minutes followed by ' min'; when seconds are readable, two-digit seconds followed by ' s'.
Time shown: 8 h 58 min 19 s
